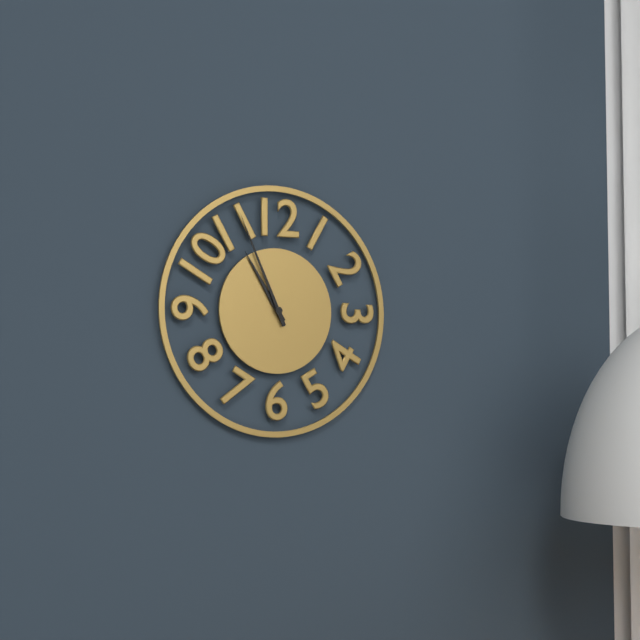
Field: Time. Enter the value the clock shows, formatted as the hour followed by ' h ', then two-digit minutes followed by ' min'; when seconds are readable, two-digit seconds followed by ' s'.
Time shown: 10 h 56 min
